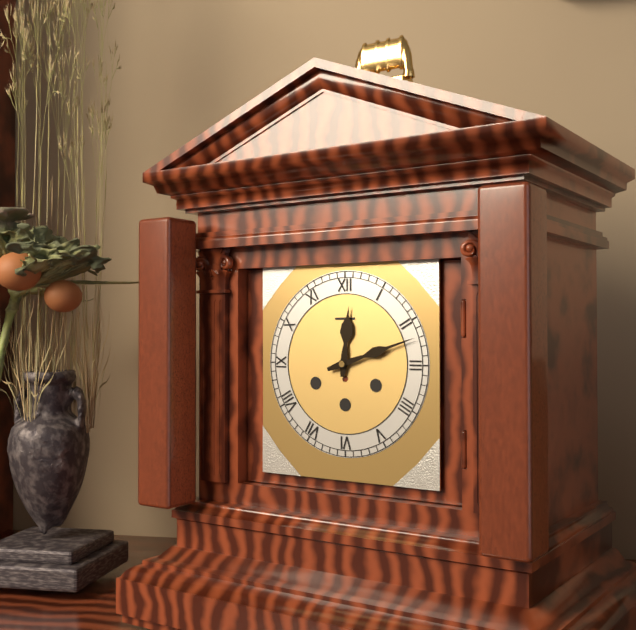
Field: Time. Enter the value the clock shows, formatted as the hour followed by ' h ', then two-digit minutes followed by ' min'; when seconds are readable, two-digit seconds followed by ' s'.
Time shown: 12 h 12 min
